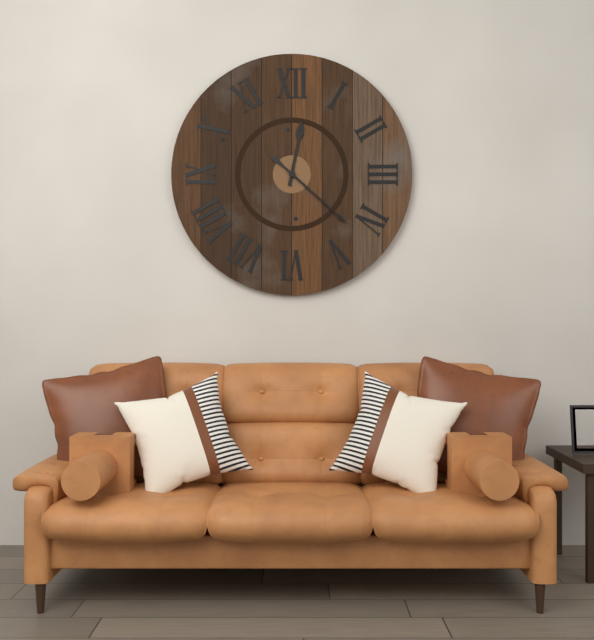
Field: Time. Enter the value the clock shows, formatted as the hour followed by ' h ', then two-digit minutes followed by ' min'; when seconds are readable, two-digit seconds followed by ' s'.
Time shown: 12 h 22 min
